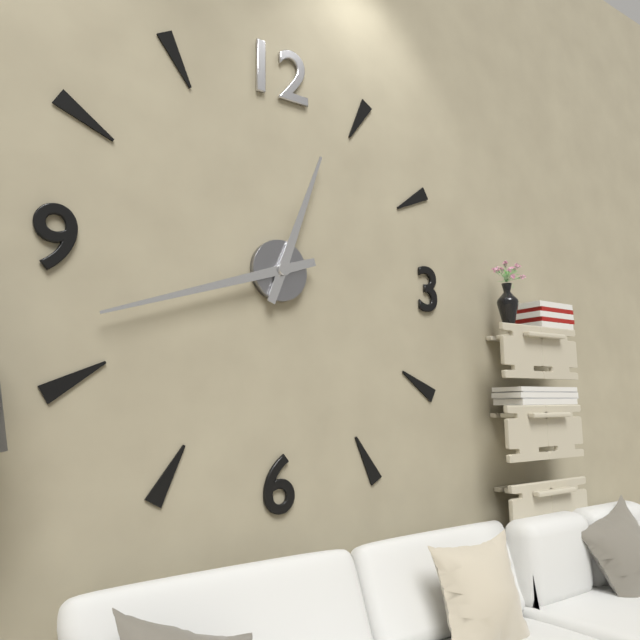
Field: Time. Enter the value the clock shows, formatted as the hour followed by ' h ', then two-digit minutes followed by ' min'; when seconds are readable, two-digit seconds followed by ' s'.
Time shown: 12 h 42 min
